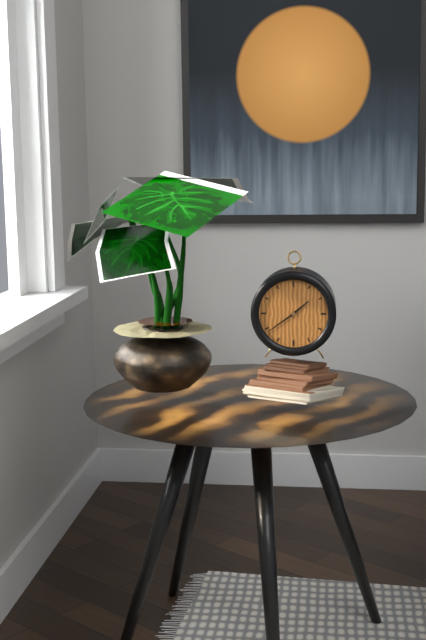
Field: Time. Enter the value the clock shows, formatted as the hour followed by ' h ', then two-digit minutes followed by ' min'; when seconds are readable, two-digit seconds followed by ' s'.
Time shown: 1 h 39 min
